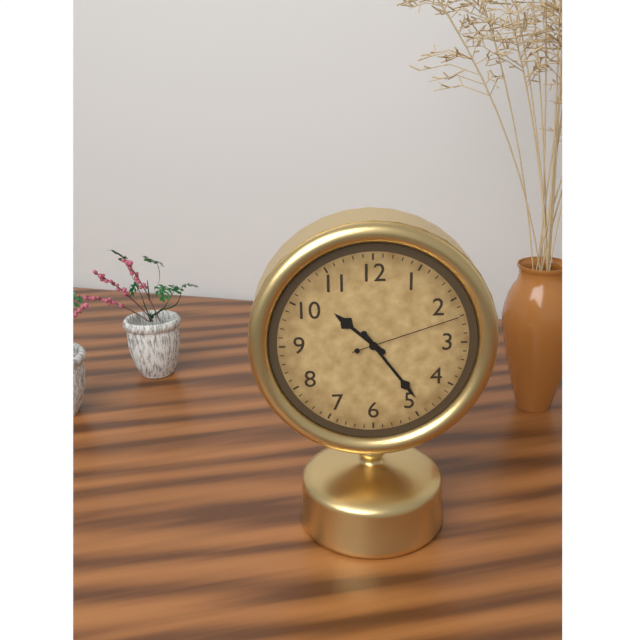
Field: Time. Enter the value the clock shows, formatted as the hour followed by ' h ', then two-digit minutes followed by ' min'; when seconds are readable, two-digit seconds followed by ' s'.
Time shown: 10 h 24 min 12 s
